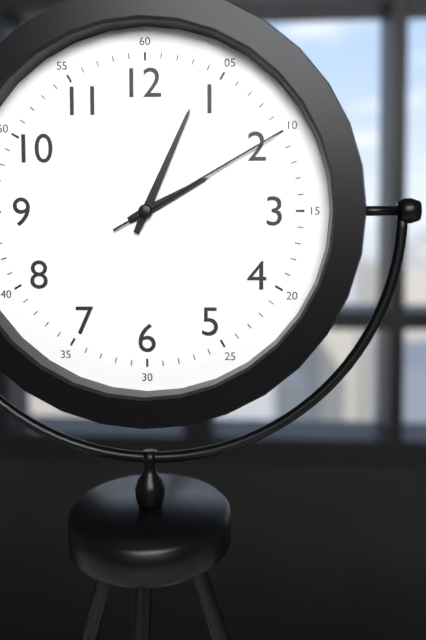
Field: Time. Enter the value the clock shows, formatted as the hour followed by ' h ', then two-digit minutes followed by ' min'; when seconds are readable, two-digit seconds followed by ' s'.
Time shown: 2 h 04 min 10 s
